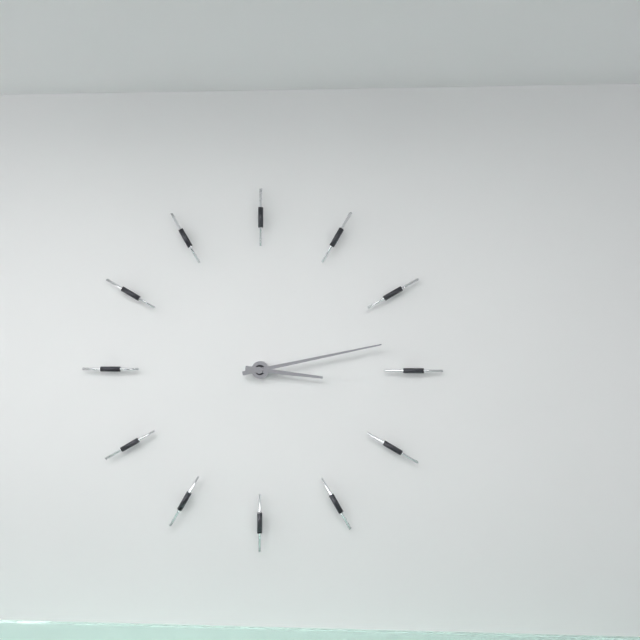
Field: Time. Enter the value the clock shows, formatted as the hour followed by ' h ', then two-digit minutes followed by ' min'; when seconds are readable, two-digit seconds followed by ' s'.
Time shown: 3 h 13 min
